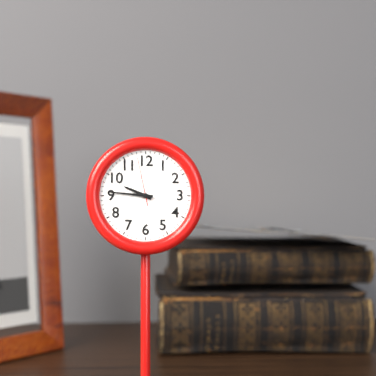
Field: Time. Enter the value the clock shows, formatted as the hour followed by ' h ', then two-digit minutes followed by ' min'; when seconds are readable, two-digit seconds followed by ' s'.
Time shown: 9 h 46 min 58 s
